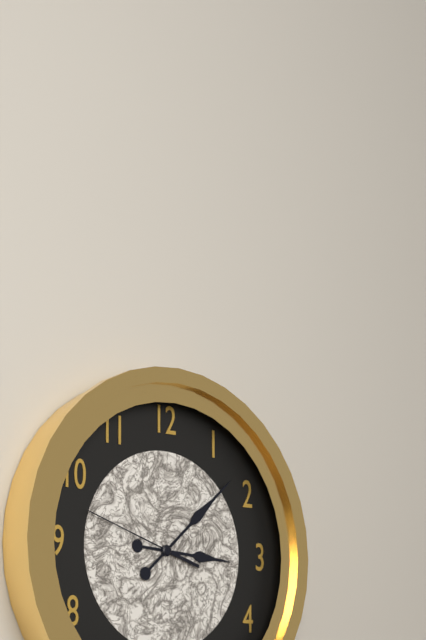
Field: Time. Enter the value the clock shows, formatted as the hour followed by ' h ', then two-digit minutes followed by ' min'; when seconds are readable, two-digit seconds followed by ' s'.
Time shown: 3 h 08 min 48 s
